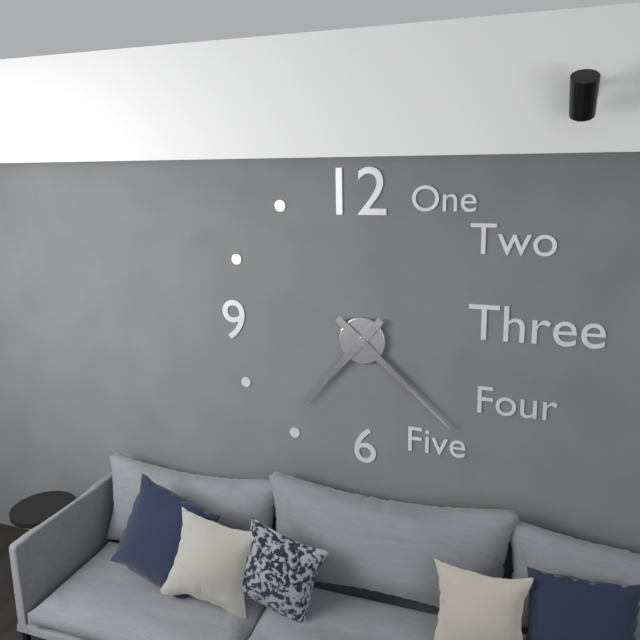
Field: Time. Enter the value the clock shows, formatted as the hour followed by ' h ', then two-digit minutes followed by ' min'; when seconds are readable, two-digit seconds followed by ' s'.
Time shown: 7 h 22 min
